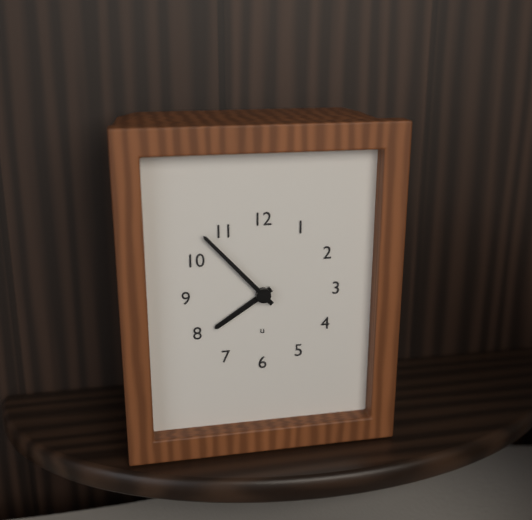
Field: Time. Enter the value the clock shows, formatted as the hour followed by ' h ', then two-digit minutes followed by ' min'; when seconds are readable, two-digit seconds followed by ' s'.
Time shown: 7 h 53 min
